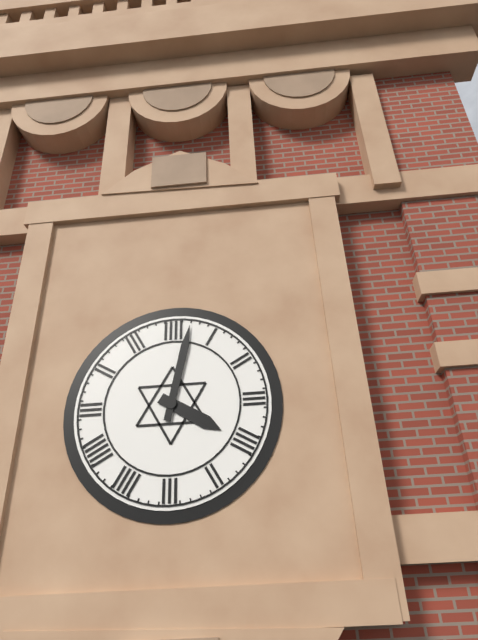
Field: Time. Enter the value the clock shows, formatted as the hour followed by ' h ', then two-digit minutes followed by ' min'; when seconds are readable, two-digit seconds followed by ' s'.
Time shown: 4 h 02 min
